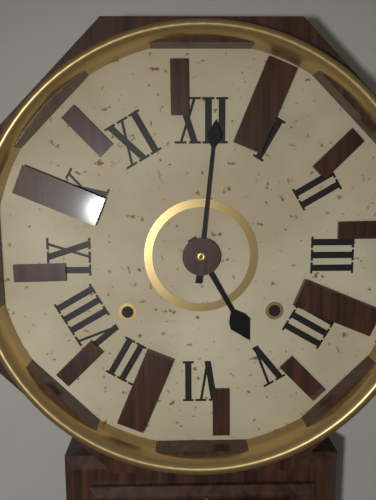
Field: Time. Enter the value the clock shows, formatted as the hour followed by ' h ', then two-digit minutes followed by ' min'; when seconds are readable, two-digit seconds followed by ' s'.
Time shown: 5 h 01 min
